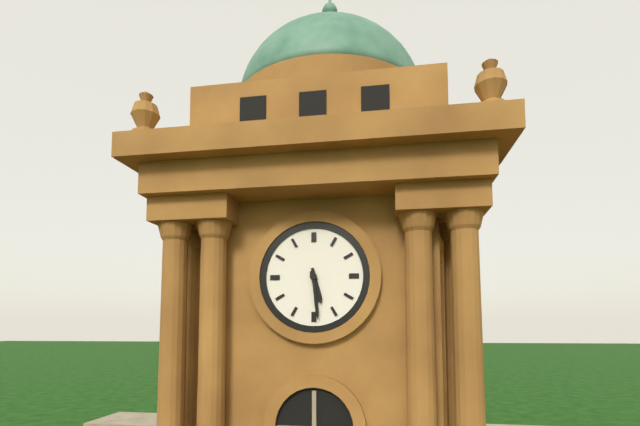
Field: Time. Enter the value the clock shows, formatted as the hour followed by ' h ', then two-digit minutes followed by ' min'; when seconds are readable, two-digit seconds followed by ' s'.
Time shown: 5 h 29 min
